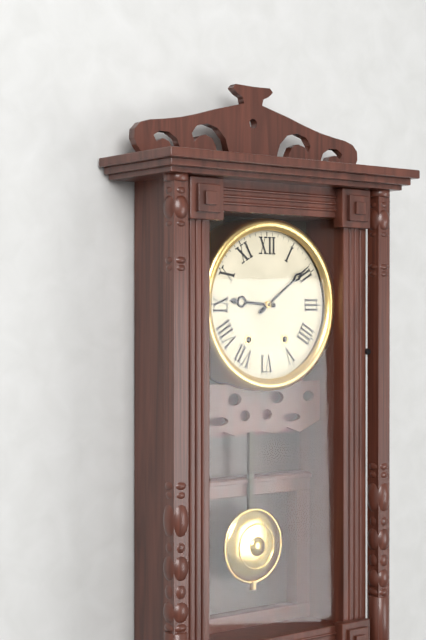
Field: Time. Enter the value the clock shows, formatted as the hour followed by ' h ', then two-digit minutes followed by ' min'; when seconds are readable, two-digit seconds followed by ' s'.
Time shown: 9 h 09 min
